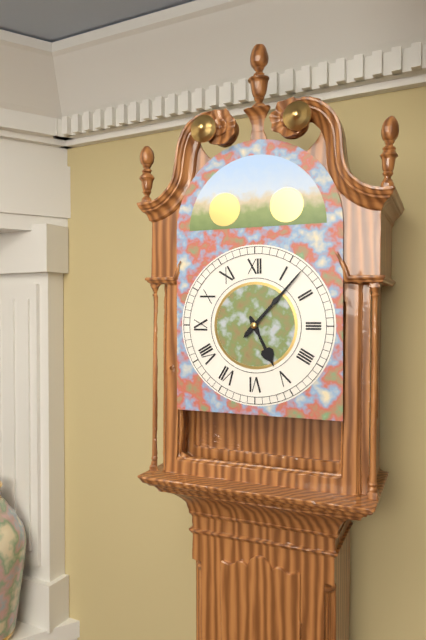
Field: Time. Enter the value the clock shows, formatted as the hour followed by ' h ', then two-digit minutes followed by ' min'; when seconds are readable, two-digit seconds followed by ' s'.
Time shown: 5 h 07 min
